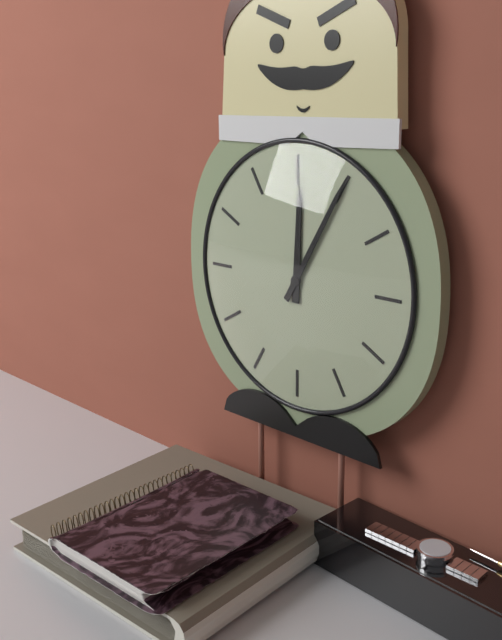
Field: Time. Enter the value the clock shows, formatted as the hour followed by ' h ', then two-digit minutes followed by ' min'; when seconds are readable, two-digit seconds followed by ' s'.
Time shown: 12 h 05 min
